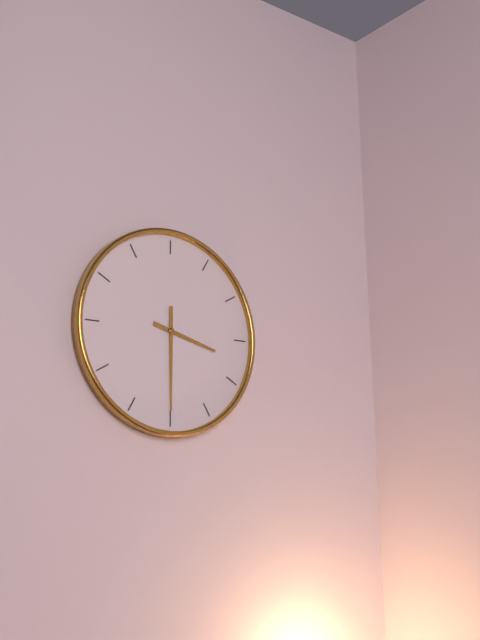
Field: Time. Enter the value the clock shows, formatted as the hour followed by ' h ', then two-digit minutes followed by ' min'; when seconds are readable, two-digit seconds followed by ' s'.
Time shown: 3 h 30 min
